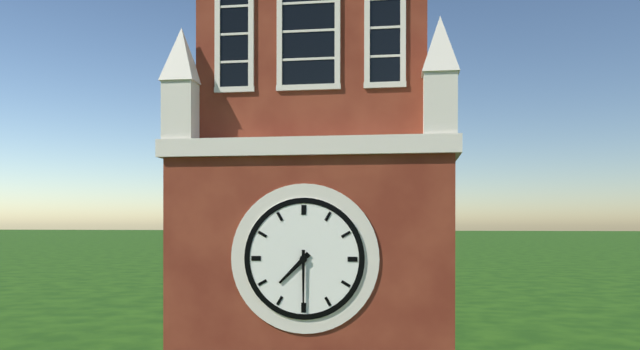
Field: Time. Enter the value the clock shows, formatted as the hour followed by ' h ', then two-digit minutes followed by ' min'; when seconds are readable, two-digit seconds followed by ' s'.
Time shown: 7 h 30 min
